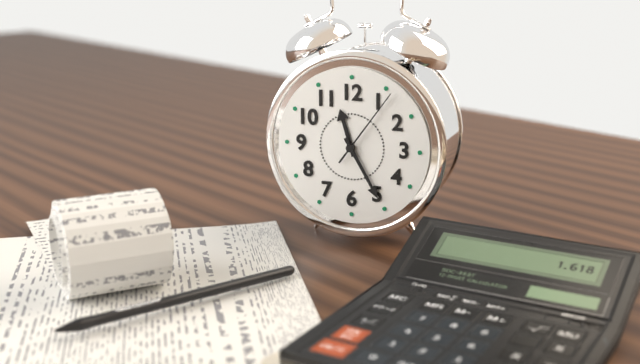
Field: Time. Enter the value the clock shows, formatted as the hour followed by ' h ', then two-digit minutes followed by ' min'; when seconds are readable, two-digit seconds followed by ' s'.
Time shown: 11 h 25 min 06 s
